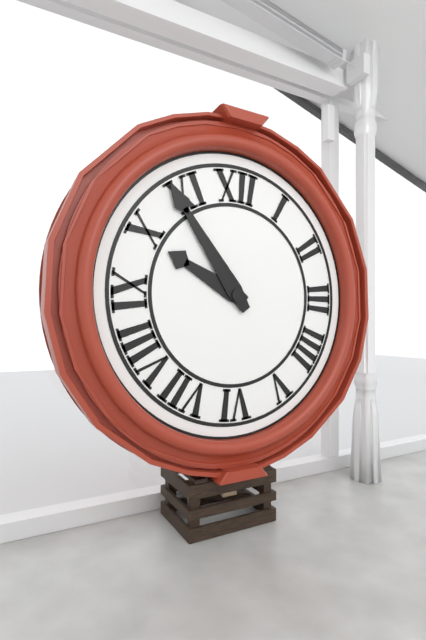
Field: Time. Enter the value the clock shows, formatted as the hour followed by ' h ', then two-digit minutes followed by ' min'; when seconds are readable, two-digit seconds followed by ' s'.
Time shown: 9 h 54 min
